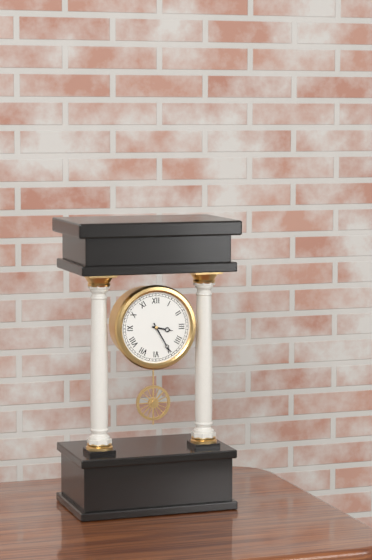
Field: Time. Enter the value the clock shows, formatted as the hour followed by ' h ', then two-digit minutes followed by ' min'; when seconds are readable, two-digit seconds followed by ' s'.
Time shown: 3 h 25 min
